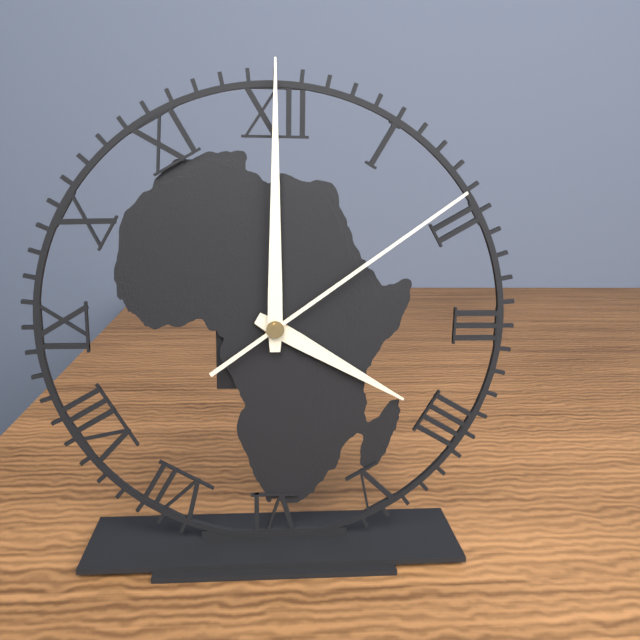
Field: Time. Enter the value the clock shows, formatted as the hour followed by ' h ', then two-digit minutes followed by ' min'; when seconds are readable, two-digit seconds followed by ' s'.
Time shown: 4 h 00 min 09 s
